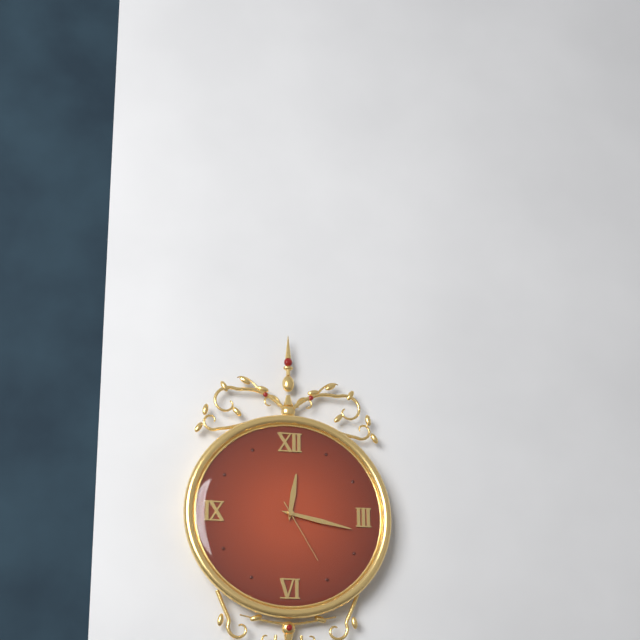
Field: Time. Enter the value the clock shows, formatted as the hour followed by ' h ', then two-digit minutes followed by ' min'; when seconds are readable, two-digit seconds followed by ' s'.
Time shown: 12 h 17 min 25 s
